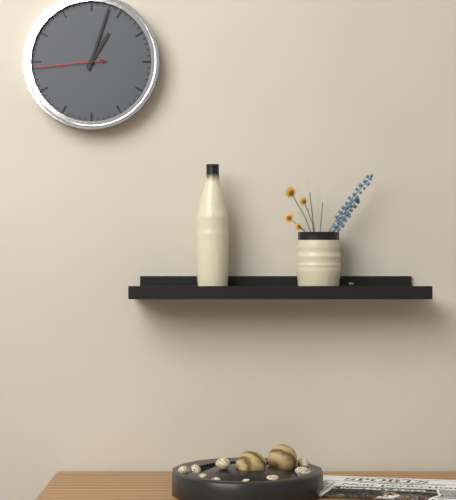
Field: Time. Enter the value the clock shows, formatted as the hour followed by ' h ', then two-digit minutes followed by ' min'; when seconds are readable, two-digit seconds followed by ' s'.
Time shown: 1 h 03 min 44 s
